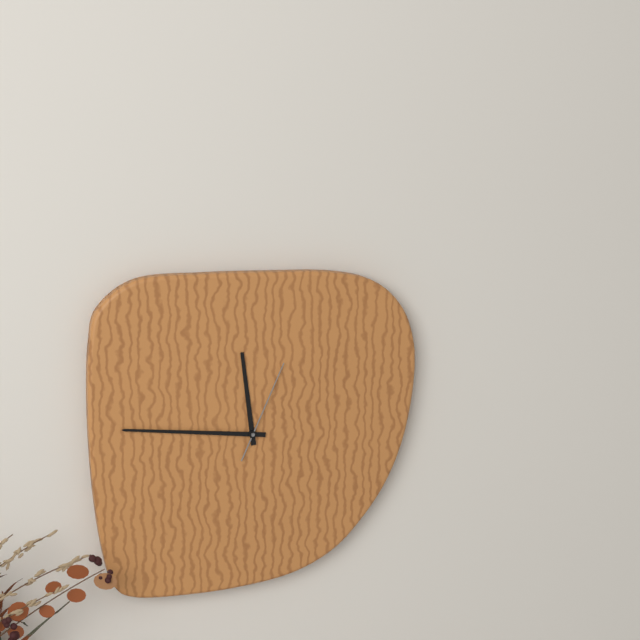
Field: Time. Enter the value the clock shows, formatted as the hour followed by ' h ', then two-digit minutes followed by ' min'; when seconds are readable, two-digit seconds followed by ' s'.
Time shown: 11 h 46 min 04 s
